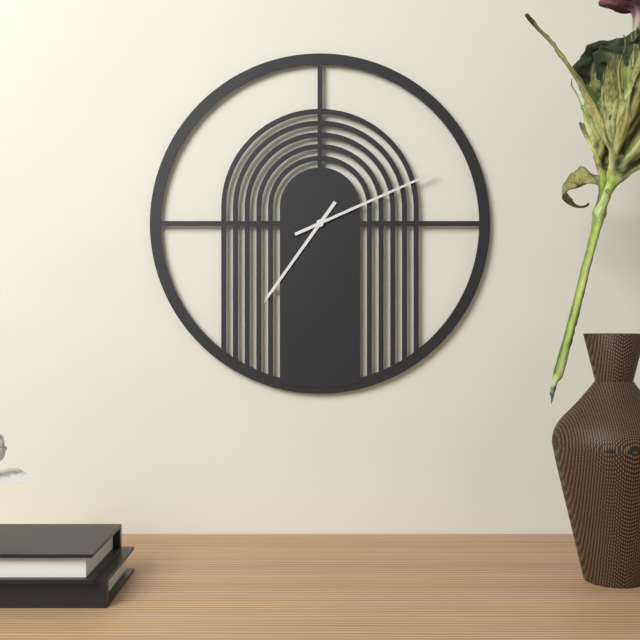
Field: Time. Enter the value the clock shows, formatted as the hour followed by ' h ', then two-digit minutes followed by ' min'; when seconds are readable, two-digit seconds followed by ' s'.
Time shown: 7 h 11 min
